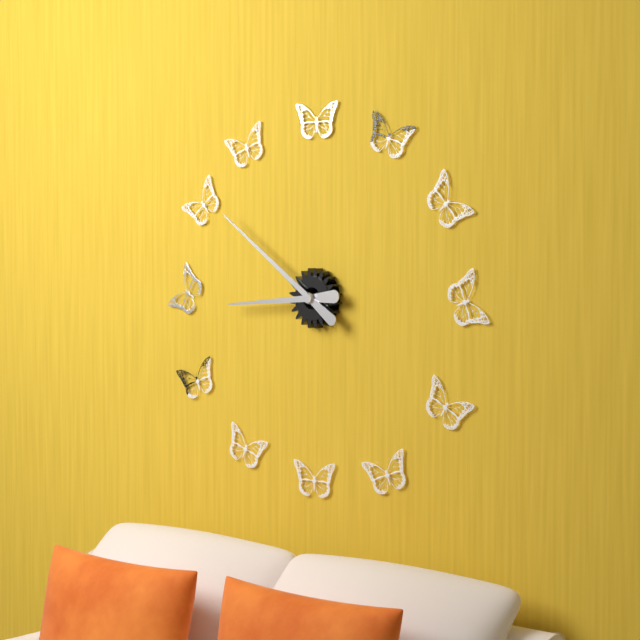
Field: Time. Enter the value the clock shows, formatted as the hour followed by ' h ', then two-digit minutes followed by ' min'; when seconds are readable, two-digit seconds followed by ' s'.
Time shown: 8 h 51 min
